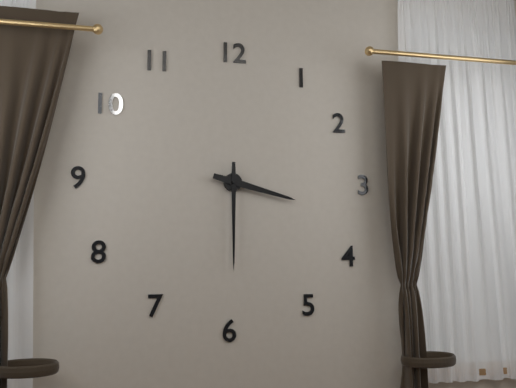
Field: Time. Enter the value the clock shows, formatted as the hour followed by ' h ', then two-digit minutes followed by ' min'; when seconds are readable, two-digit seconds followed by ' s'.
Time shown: 3 h 30 min
